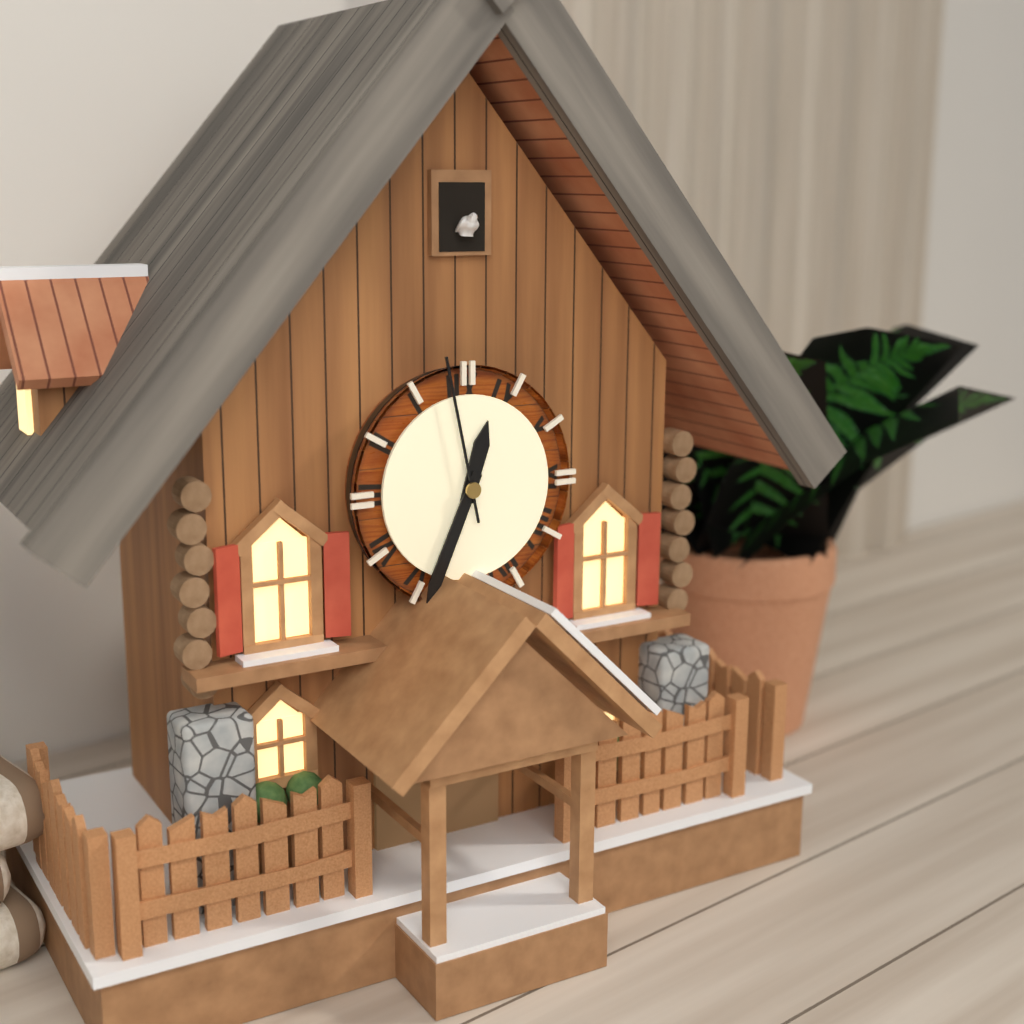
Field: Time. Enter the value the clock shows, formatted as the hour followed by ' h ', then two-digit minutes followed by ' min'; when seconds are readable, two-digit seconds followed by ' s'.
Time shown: 12 h 34 min 58 s
